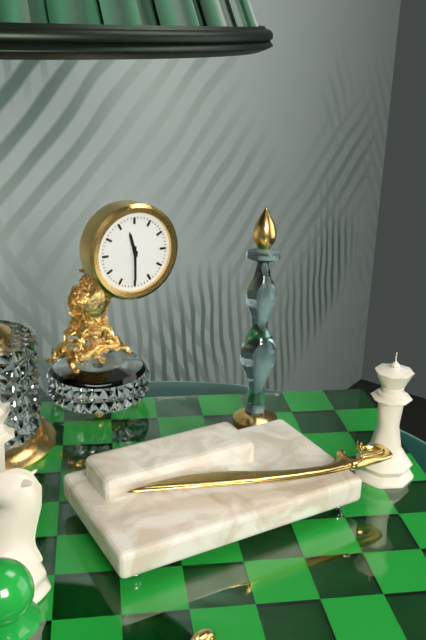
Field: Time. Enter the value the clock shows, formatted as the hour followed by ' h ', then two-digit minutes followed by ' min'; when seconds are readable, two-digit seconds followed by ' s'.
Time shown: 11 h 30 min
